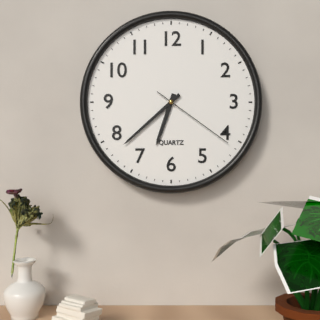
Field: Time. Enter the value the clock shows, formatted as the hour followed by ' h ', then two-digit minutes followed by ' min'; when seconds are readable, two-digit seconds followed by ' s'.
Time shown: 6 h 38 min 21 s
